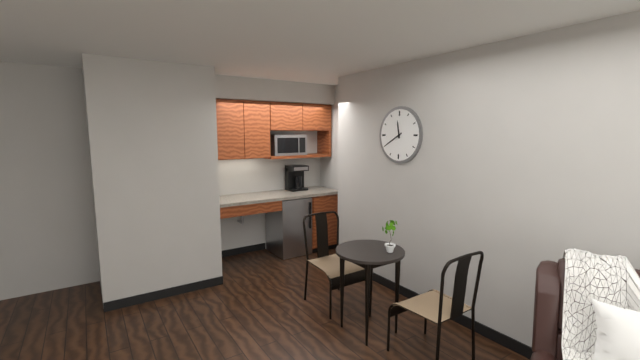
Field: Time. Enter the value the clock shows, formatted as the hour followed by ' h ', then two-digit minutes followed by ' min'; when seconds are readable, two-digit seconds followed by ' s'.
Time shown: 11 h 40 min
